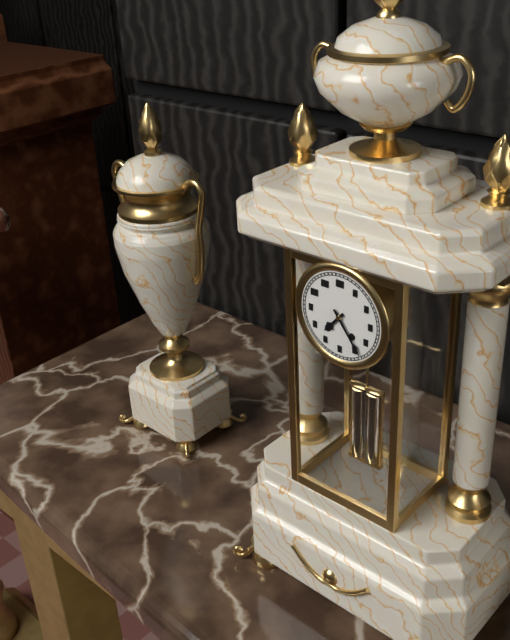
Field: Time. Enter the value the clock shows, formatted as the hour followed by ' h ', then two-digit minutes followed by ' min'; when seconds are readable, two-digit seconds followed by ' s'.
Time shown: 7 h 24 min
